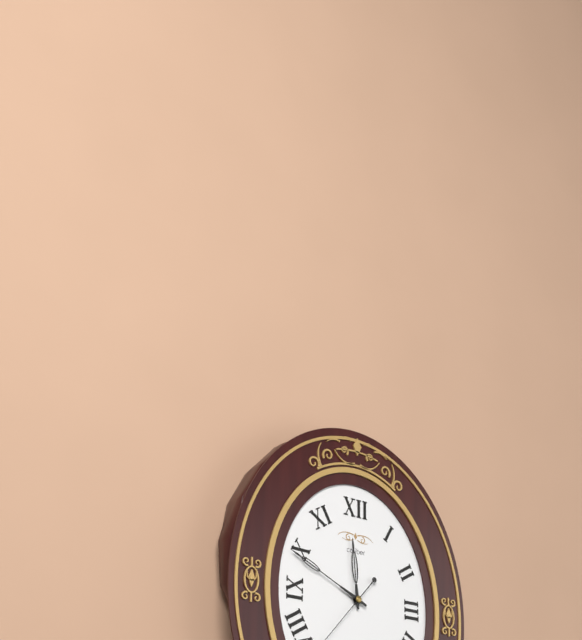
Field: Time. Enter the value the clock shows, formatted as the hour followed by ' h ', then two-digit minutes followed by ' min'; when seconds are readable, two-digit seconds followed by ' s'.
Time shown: 11 h 49 min
